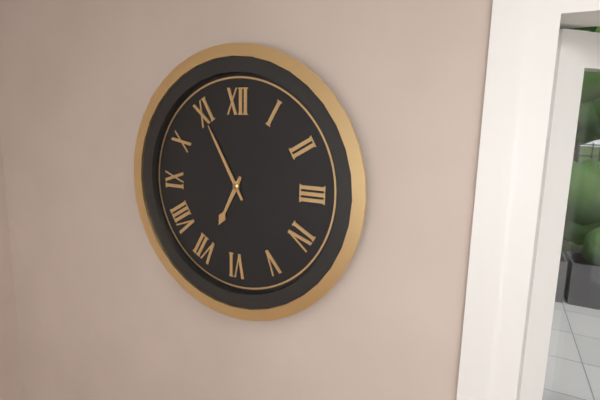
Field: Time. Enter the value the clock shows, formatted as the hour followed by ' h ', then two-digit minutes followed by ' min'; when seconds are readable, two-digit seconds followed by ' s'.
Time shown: 6 h 55 min
